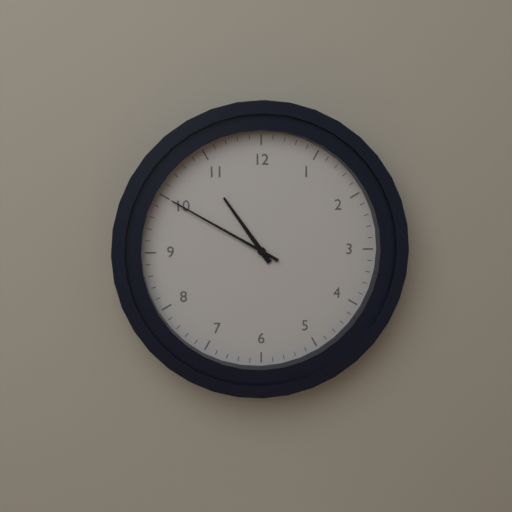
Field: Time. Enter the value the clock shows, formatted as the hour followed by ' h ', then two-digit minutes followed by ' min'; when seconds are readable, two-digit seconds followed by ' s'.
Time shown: 10 h 50 min
